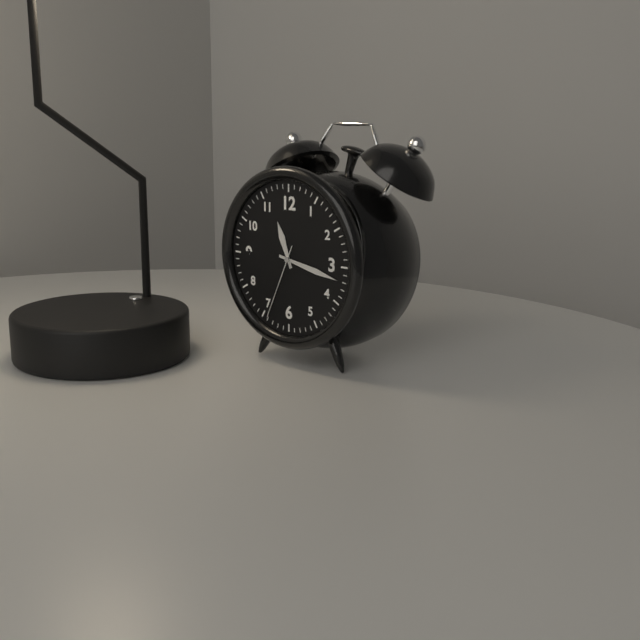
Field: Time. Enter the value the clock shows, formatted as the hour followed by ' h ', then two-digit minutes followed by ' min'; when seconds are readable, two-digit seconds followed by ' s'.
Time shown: 11 h 17 min 34 s
